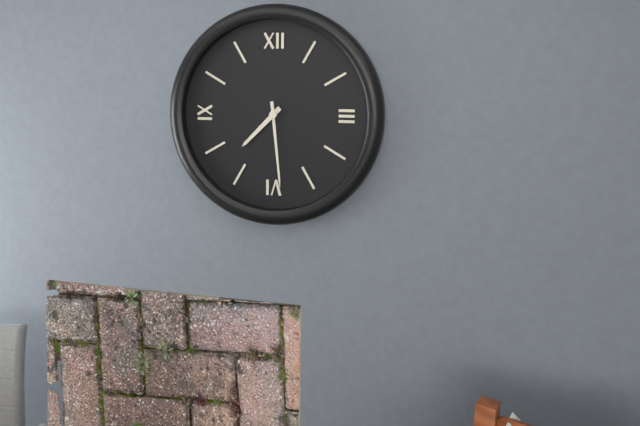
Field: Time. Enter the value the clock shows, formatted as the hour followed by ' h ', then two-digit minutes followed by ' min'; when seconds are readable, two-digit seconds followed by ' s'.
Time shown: 7 h 29 min
